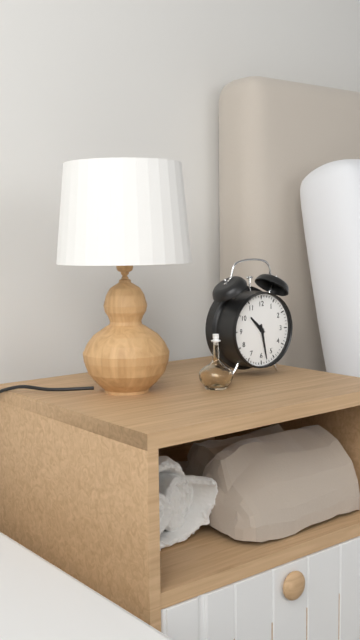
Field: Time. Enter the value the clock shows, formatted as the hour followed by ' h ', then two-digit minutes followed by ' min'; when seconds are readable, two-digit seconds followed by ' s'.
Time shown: 10 h 28 min
